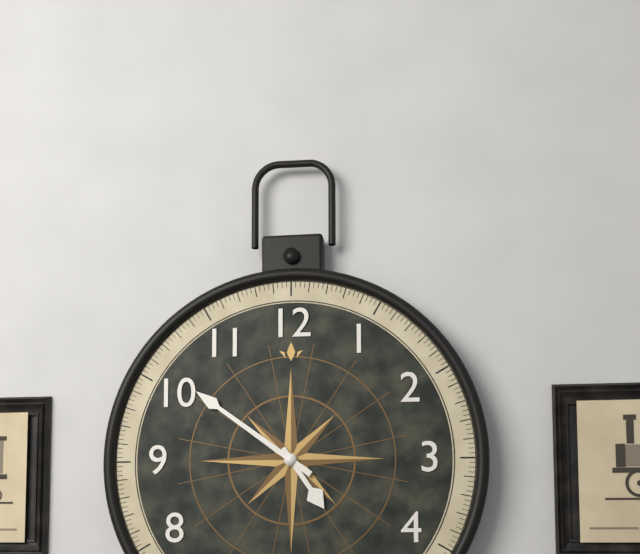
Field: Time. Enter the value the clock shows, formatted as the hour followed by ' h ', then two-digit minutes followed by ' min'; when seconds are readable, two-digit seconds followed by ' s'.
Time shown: 4 h 51 min
